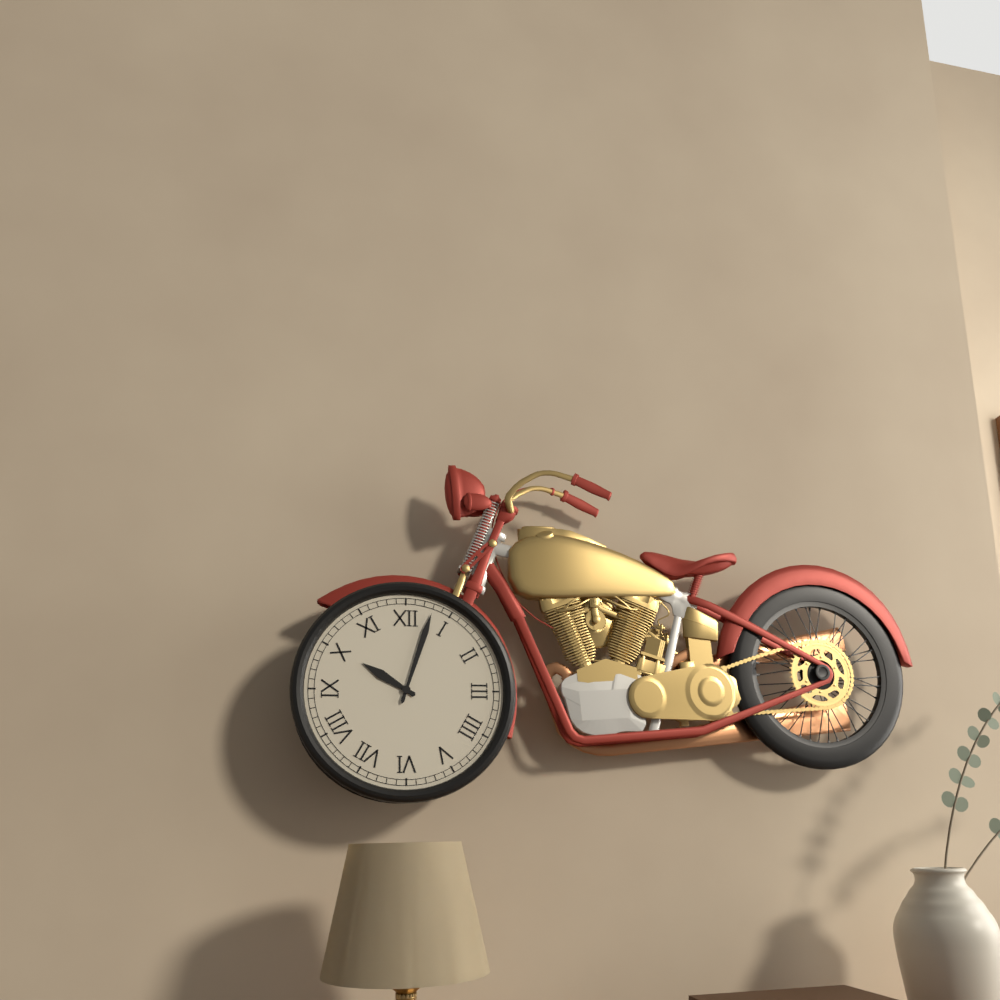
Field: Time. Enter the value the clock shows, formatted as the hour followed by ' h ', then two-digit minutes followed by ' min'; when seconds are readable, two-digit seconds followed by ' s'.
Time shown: 10 h 03 min
